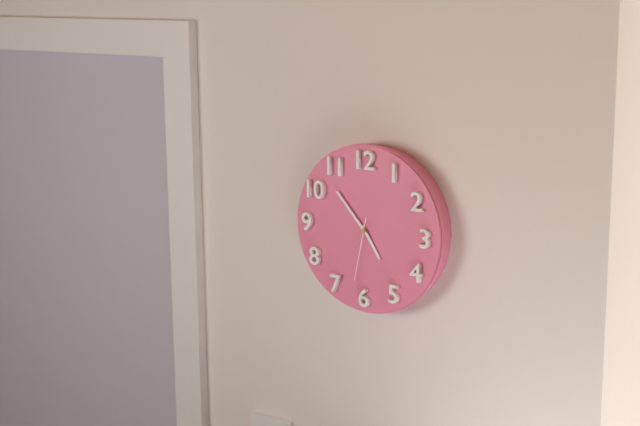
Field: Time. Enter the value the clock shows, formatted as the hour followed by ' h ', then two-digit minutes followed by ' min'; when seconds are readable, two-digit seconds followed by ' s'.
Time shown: 4 h 53 min 32 s
